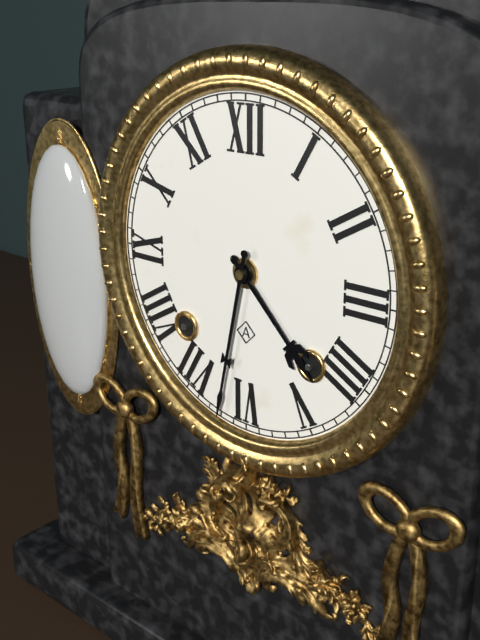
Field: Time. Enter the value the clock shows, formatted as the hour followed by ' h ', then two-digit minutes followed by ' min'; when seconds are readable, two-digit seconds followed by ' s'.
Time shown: 4 h 32 min
